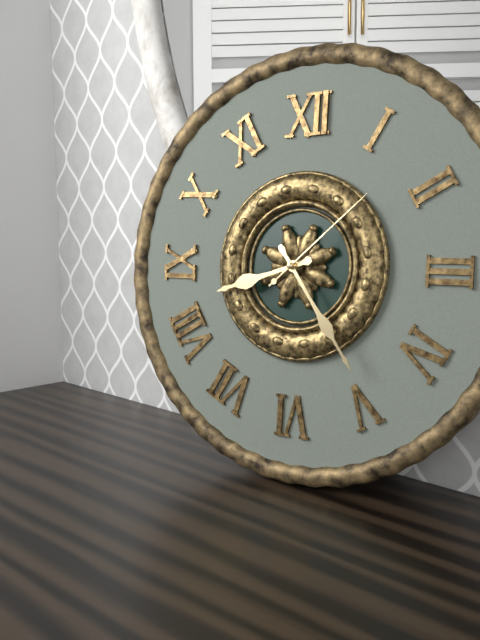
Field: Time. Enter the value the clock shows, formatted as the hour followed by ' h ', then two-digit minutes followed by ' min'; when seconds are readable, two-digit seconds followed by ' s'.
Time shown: 8 h 24 min 08 s
